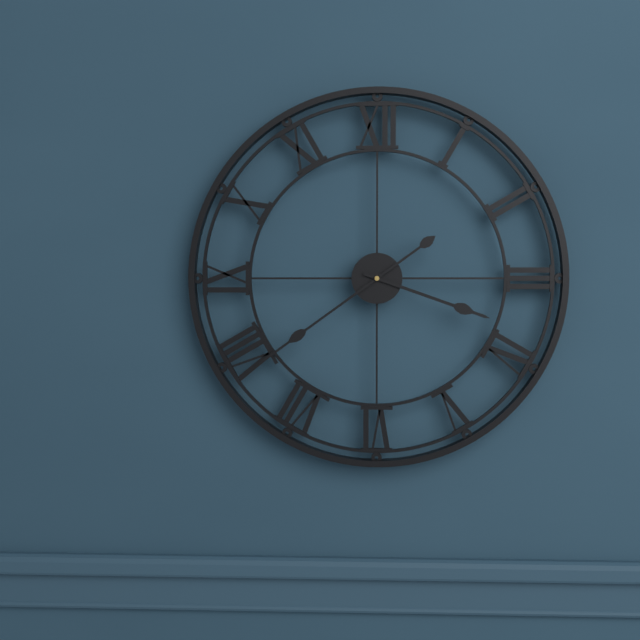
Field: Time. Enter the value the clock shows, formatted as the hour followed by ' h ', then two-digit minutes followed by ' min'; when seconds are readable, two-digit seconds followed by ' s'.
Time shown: 3 h 39 min
